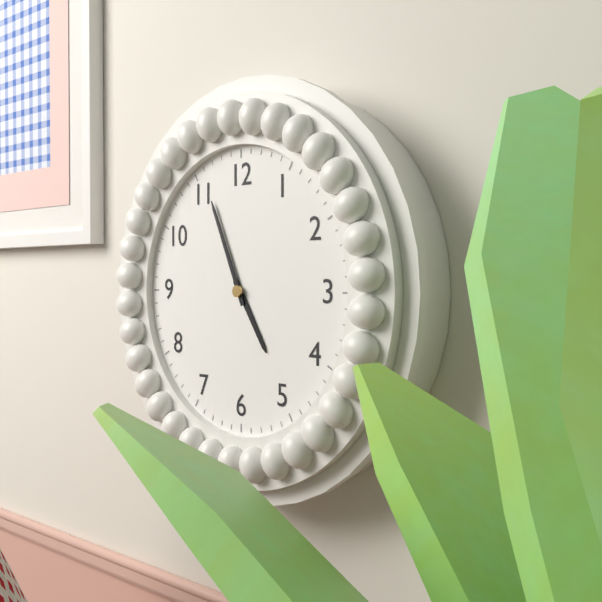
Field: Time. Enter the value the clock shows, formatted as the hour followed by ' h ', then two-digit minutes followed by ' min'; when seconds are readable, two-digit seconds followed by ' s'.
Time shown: 4 h 56 min
